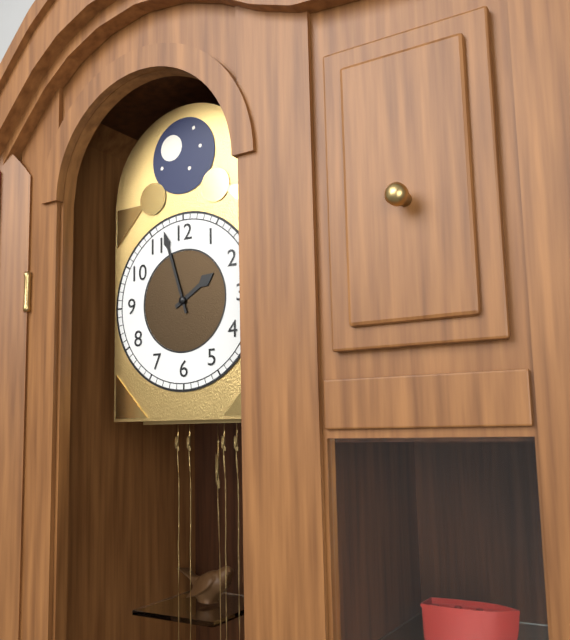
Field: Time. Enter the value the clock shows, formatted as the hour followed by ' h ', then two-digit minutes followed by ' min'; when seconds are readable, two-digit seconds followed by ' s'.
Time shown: 1 h 57 min
